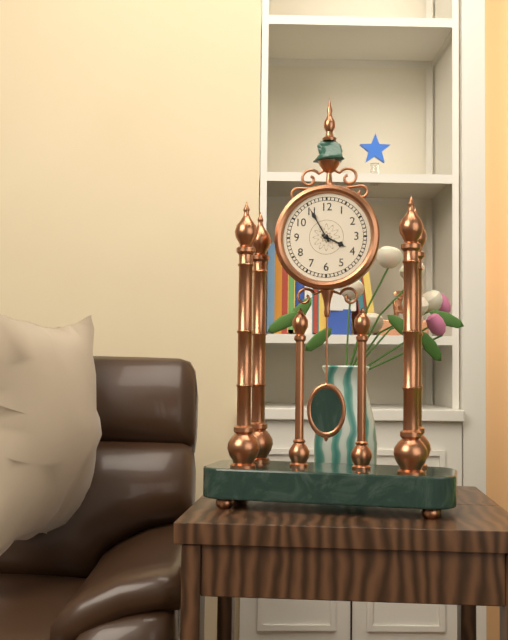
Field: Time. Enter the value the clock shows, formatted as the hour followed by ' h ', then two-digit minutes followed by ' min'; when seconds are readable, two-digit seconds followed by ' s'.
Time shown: 3 h 55 min
